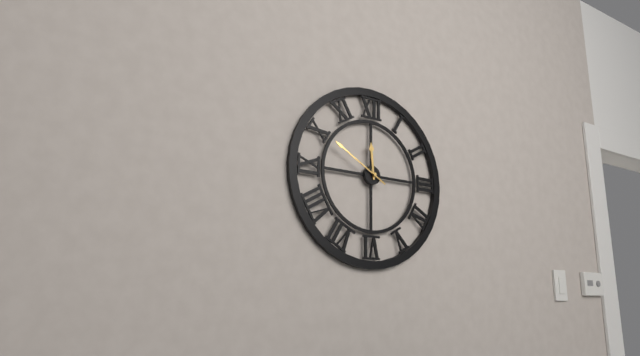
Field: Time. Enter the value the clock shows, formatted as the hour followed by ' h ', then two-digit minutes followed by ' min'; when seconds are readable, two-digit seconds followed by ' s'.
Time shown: 11 h 50 min
